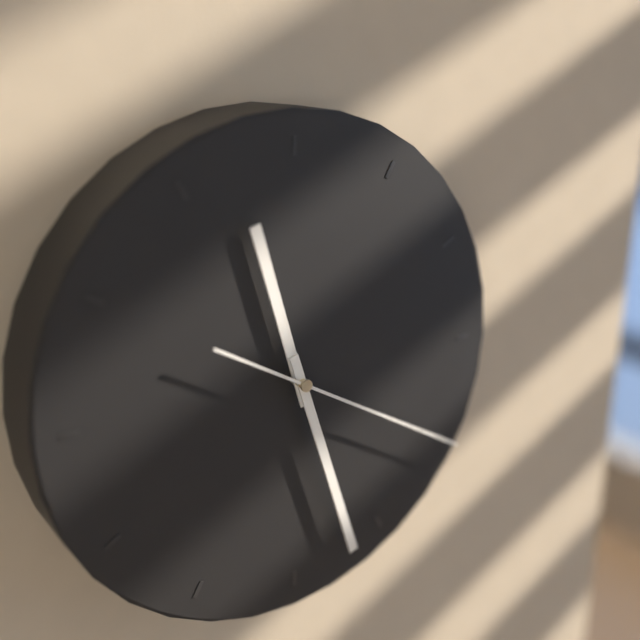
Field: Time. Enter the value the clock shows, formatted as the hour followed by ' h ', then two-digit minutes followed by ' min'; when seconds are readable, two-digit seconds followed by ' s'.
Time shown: 11 h 27 min 20 s
